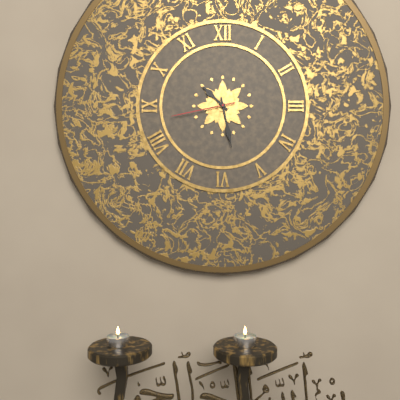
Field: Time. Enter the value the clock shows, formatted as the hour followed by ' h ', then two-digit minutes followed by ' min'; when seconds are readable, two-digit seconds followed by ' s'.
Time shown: 10 h 28 min 43 s
